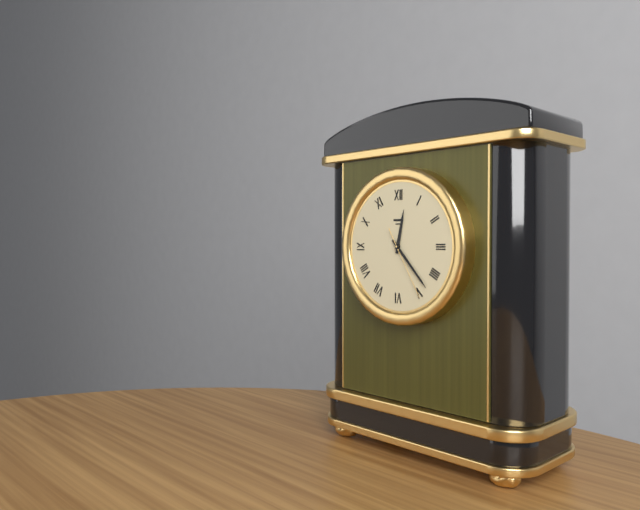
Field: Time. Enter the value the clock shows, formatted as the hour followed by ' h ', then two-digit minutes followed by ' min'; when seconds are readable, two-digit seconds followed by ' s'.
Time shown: 12 h 23 min 25 s
